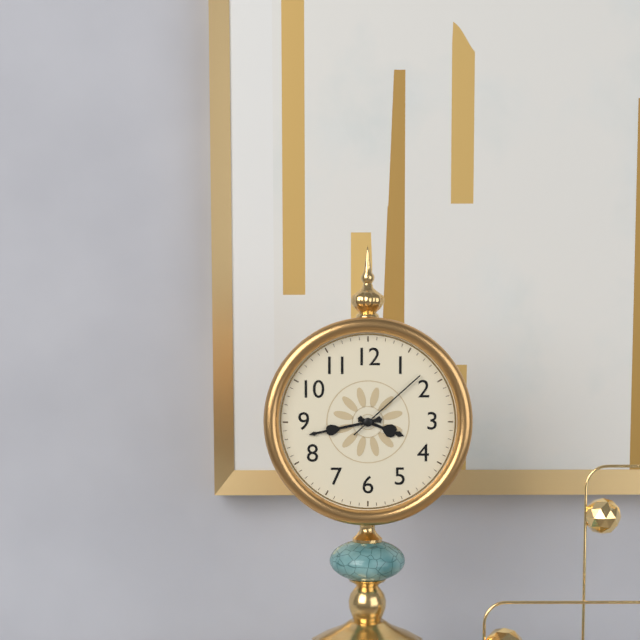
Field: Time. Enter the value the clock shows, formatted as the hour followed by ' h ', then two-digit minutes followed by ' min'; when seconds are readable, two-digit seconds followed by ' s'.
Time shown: 3 h 43 min 08 s
